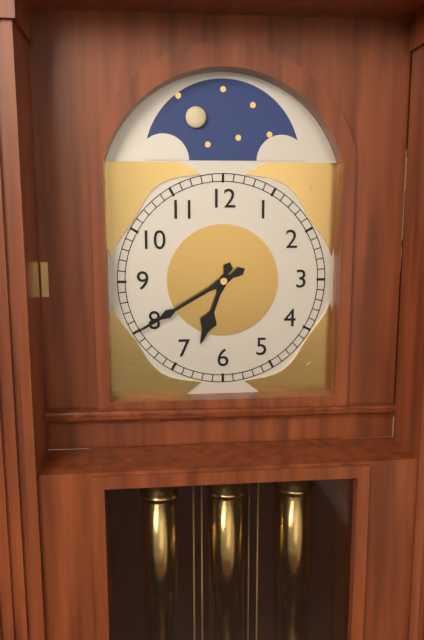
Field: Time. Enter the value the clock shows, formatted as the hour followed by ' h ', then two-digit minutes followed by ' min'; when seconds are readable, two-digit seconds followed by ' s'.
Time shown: 6 h 40 min
